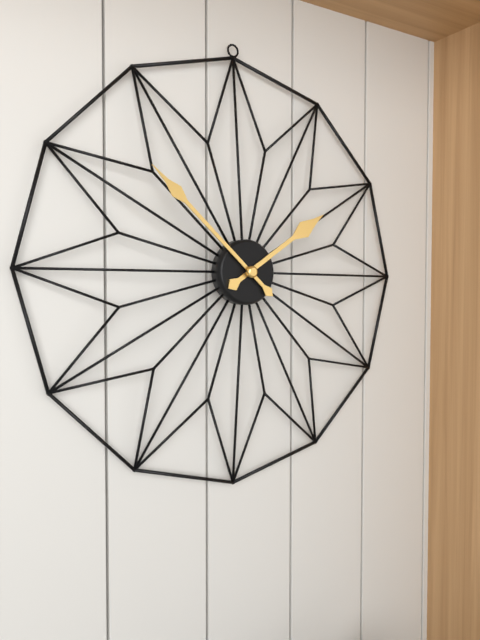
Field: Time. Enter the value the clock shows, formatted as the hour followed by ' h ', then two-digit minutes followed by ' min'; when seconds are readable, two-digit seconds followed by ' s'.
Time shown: 1 h 52 min
